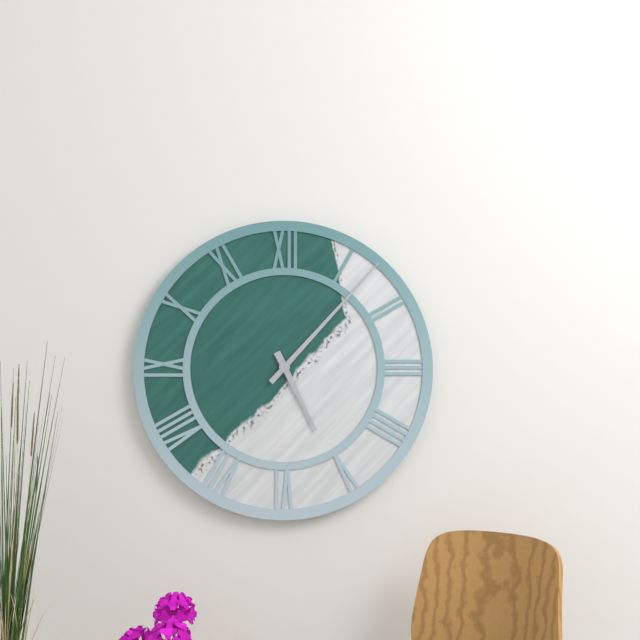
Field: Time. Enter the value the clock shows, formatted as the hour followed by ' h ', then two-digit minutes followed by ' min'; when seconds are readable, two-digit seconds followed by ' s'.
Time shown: 5 h 07 min
